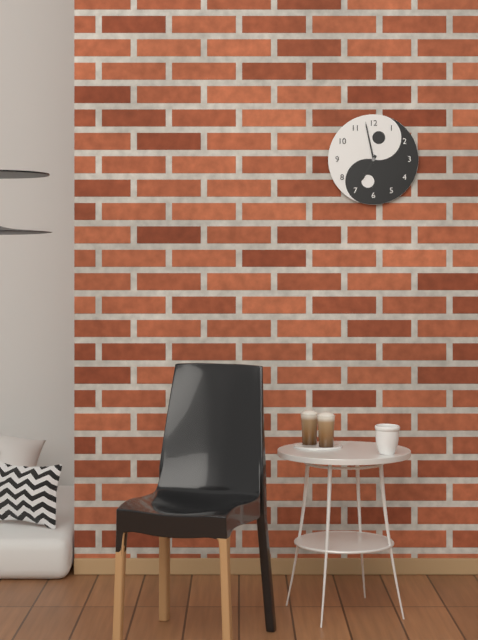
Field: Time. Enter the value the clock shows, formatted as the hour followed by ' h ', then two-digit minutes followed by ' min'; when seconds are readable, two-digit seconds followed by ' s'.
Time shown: 6 h 58 min
